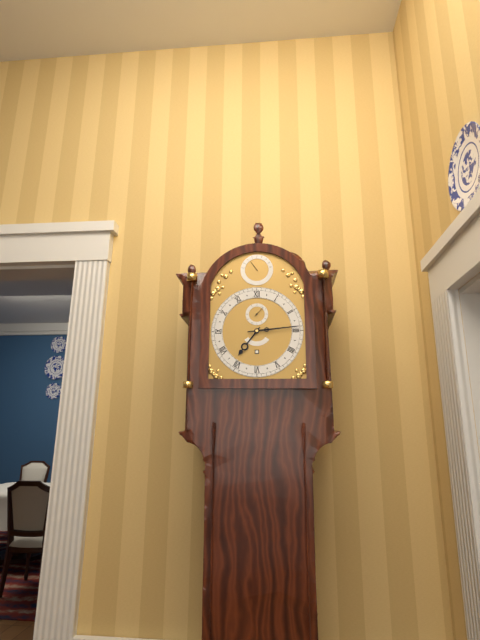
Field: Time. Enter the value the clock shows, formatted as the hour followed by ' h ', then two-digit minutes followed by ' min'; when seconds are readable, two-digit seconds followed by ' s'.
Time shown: 7 h 14 min
